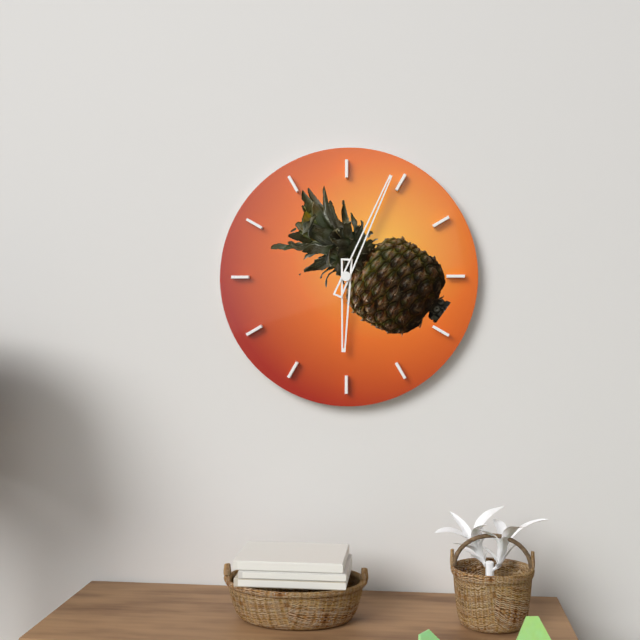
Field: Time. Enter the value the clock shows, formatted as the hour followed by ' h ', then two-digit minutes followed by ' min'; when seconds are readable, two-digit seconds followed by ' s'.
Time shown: 6 h 04 min
